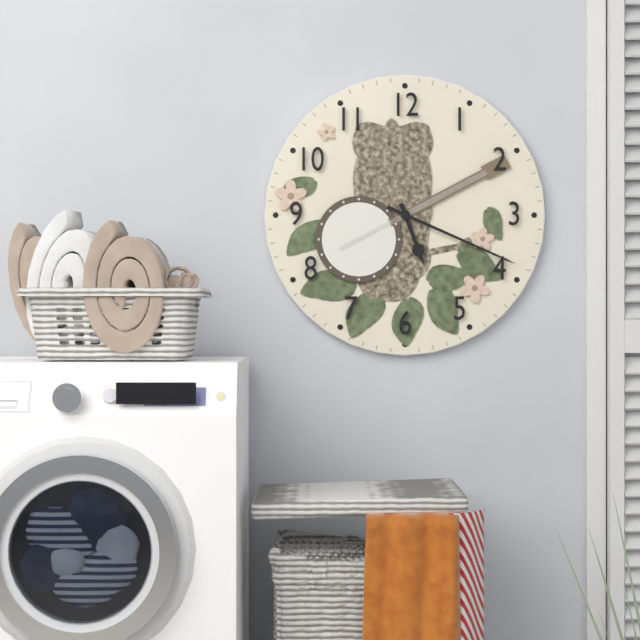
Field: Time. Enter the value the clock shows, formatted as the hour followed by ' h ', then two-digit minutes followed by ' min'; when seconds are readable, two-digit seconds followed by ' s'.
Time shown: 5 h 19 min
